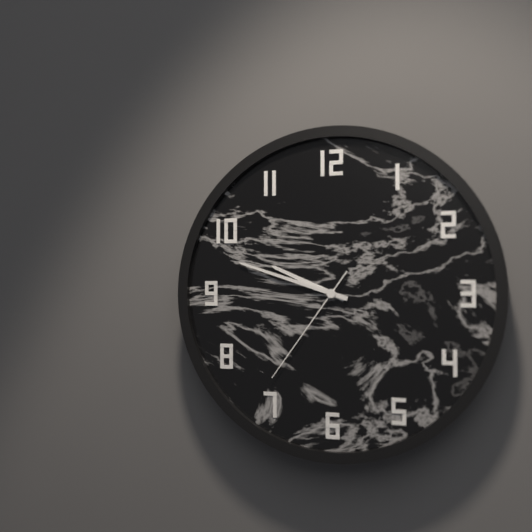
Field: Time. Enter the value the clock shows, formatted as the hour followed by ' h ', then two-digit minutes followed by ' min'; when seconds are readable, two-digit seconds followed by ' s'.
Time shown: 9 h 48 min 36 s
